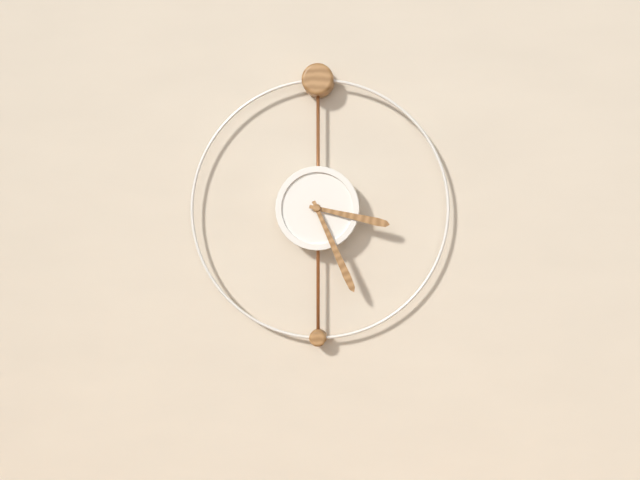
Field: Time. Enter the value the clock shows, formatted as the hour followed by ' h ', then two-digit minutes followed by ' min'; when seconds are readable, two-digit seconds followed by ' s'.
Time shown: 3 h 26 min
